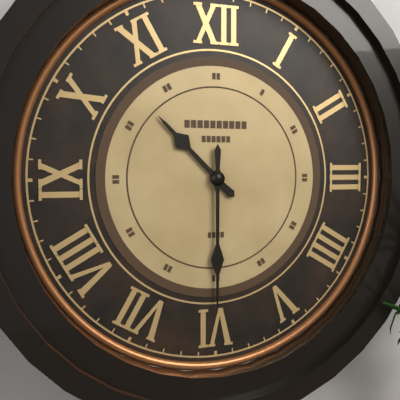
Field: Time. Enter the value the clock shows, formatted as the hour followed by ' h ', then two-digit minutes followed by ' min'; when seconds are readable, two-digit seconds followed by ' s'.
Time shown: 10 h 30 min
